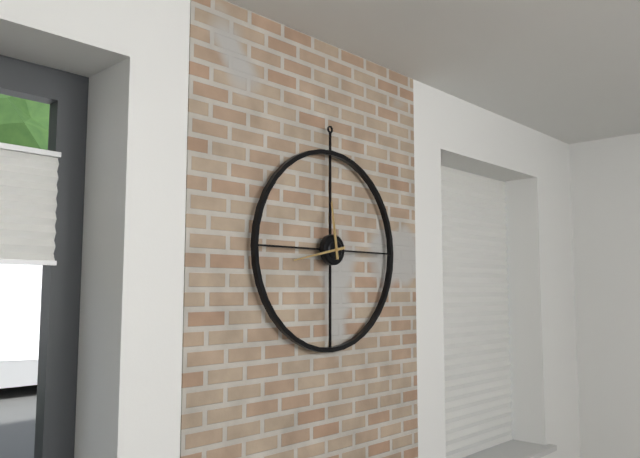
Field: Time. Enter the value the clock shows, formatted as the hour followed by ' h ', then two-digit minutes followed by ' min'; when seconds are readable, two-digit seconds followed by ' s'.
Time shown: 11 h 43 min
